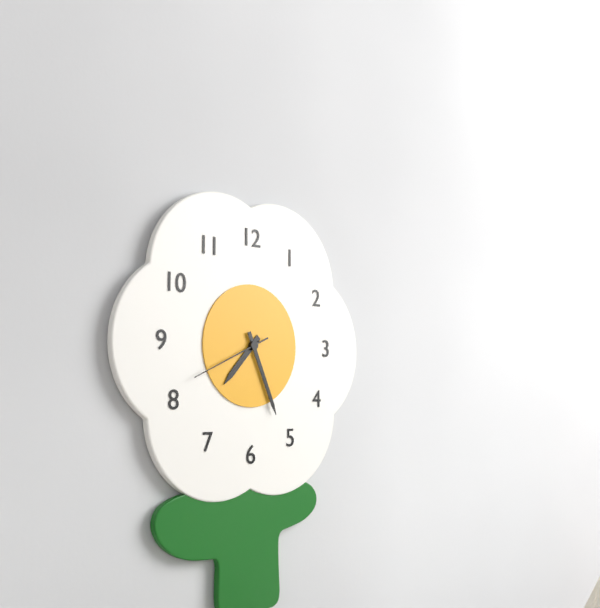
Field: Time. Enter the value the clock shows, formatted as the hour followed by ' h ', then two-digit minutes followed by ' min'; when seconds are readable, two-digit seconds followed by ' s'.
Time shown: 7 h 26 min 41 s
